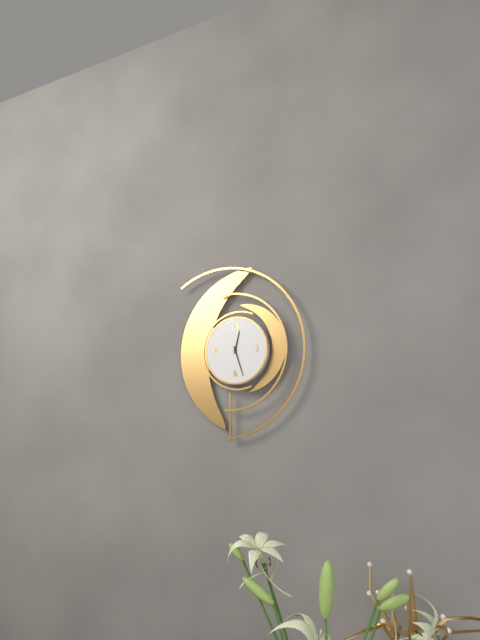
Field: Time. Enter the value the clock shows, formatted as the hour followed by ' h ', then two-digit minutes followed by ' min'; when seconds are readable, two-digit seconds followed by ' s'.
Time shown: 12 h 27 min
